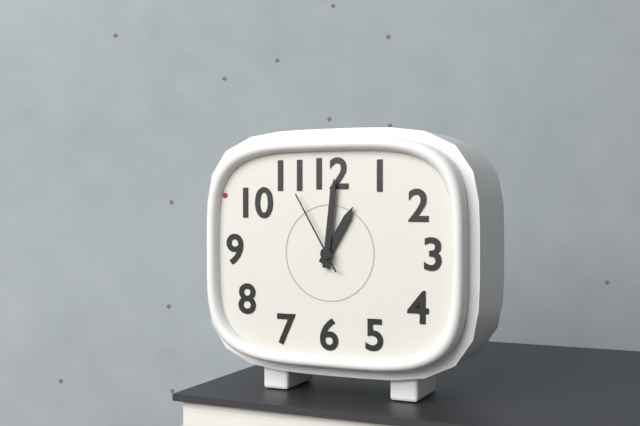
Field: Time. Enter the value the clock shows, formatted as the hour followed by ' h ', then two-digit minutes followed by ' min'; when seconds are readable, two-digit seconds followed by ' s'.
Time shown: 1 h 01 min 55 s
